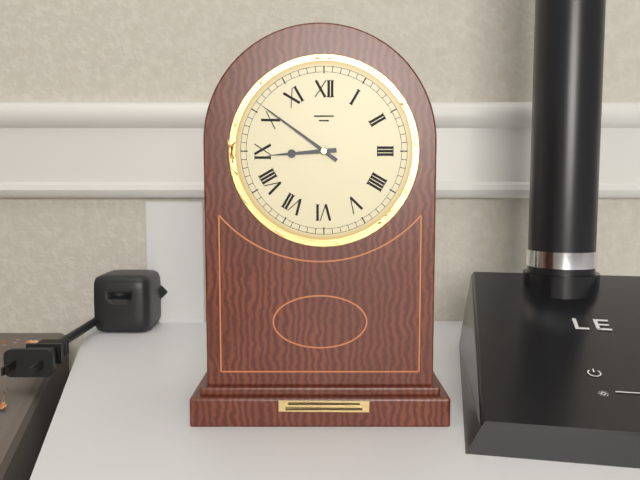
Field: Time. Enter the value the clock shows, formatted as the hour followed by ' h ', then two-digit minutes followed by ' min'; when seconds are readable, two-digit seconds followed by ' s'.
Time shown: 8 h 51 min
